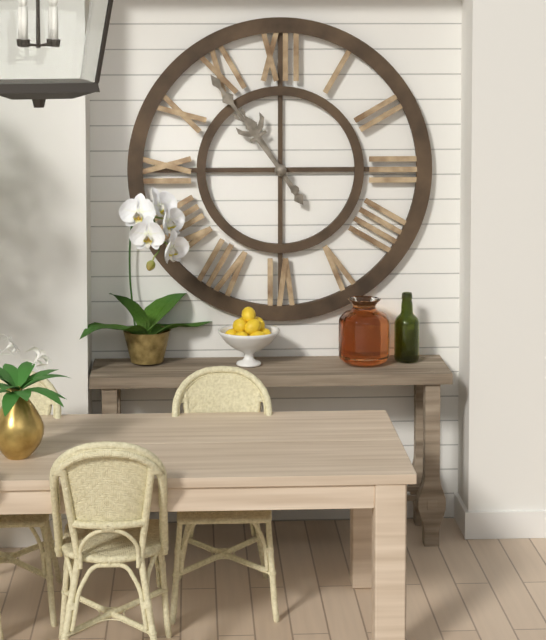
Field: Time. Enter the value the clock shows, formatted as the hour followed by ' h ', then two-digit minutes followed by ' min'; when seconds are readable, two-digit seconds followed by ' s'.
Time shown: 10 h 54 min
